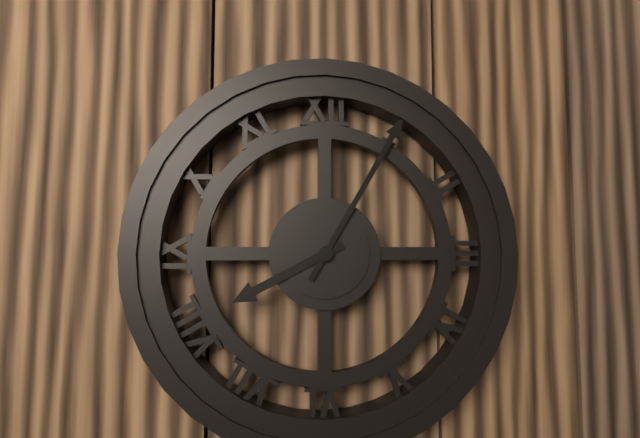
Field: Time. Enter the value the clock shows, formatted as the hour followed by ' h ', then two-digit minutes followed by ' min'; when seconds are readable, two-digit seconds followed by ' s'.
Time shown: 8 h 05 min
